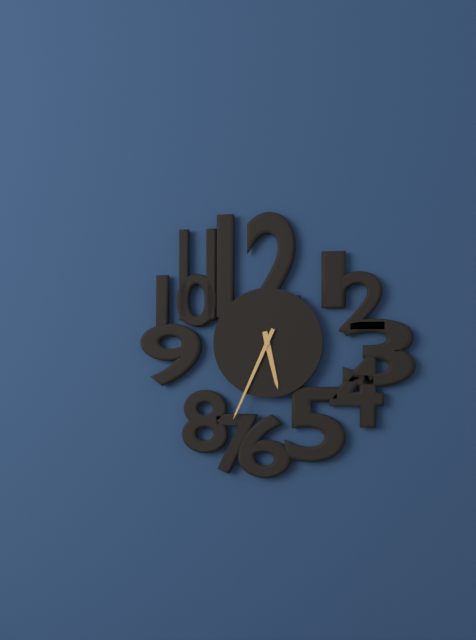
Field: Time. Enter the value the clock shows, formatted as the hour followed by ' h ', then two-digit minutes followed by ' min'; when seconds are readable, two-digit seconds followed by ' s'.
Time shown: 5 h 34 min
